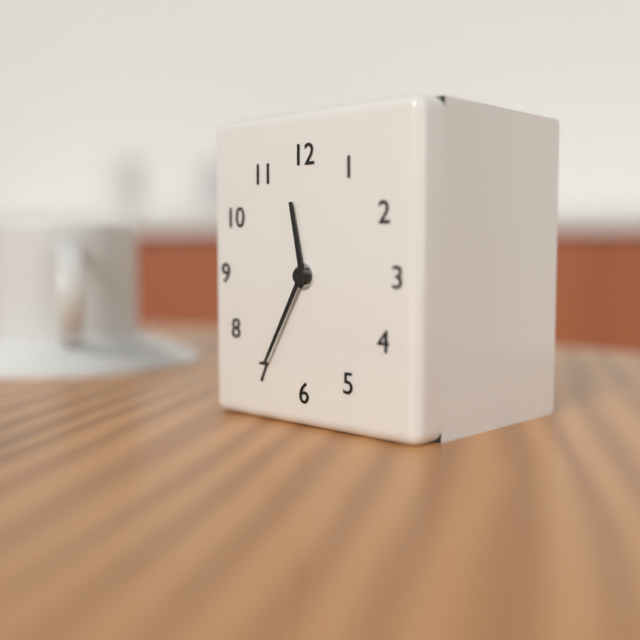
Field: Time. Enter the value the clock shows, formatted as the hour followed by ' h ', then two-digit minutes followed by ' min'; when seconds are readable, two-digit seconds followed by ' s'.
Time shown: 11 h 35 min
